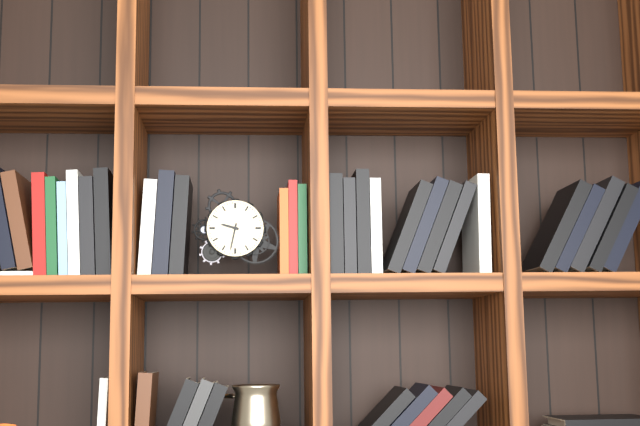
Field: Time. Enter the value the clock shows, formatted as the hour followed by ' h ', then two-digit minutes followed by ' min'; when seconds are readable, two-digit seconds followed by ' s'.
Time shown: 9 h 32 min
